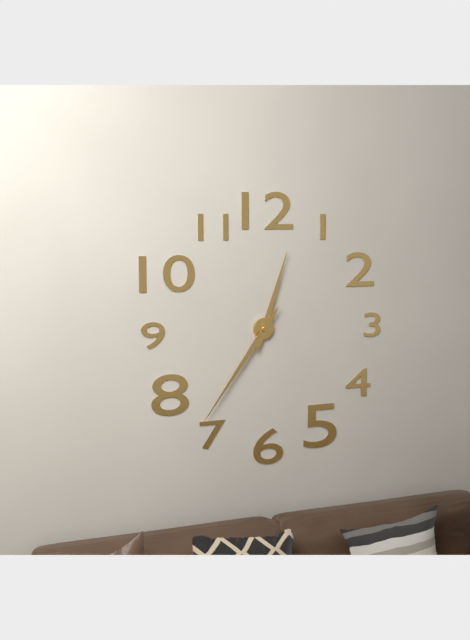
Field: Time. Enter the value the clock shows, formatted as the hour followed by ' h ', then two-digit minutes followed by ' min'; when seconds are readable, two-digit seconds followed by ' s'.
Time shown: 12 h 36 min
